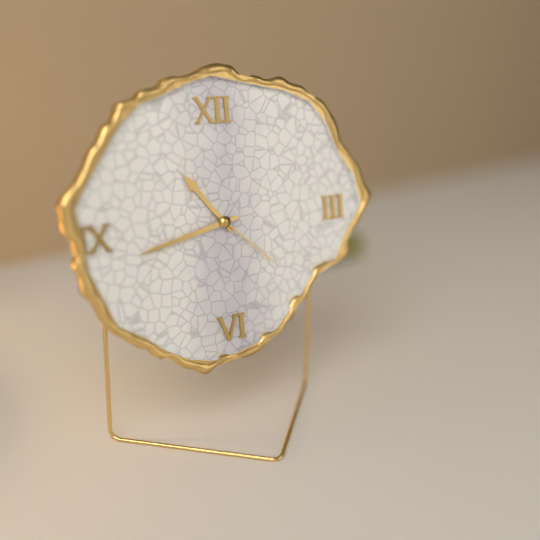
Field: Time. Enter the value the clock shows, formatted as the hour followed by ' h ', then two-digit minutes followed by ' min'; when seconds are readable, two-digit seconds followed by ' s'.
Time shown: 10 h 43 min 22 s
